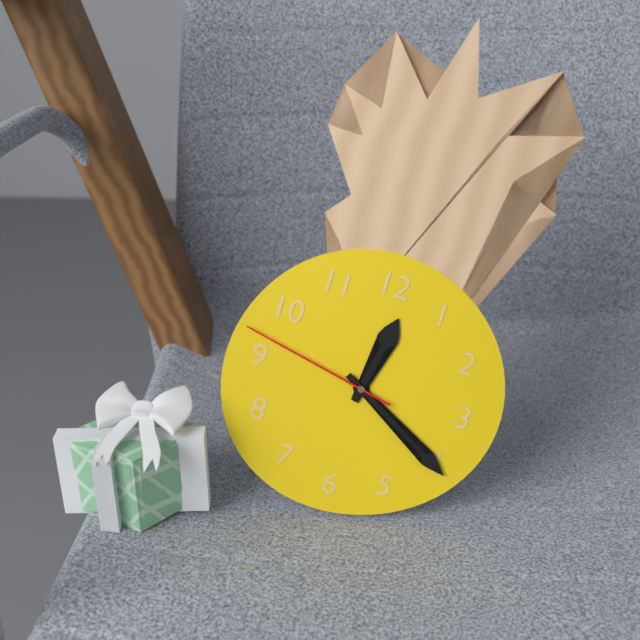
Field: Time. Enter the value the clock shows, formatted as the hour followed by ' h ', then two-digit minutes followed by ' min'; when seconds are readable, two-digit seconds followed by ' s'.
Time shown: 12 h 20 min 47 s
